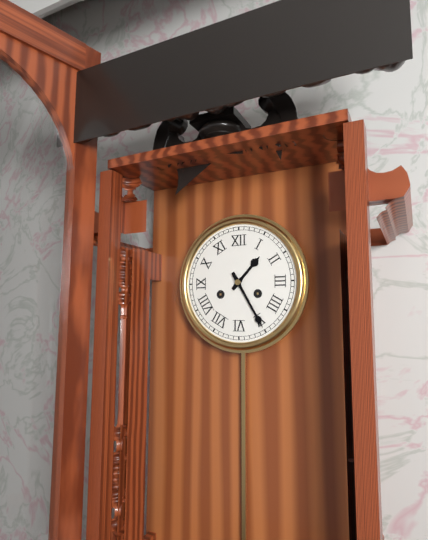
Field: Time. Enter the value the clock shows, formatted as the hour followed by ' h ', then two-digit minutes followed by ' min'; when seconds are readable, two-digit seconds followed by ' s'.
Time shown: 1 h 25 min
